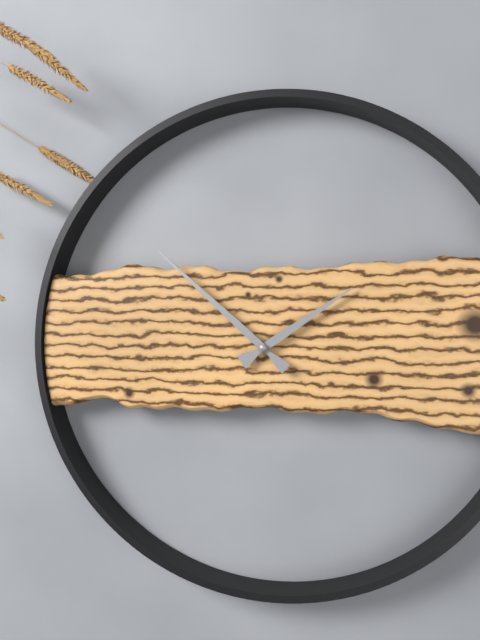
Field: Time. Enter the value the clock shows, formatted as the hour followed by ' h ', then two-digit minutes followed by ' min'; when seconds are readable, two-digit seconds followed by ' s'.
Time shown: 1 h 52 min
